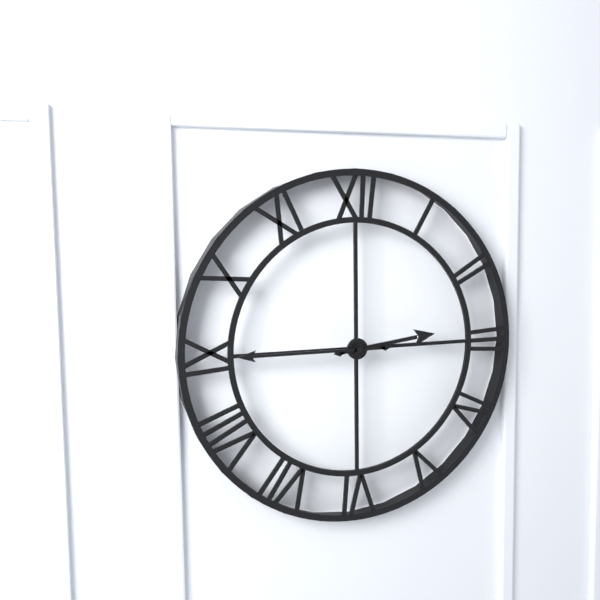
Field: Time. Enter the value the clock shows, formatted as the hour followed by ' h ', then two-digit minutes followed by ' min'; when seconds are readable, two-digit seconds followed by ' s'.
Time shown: 2 h 45 min
